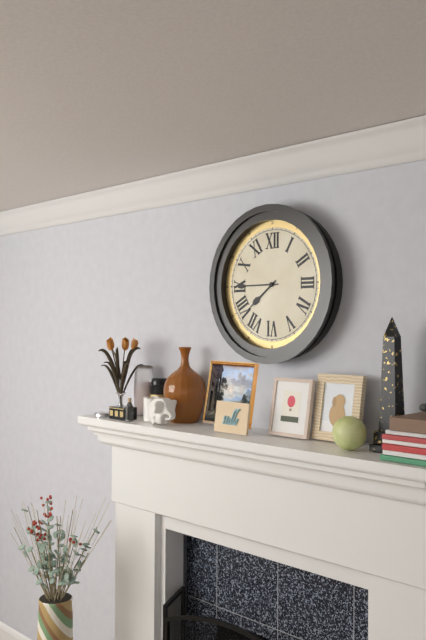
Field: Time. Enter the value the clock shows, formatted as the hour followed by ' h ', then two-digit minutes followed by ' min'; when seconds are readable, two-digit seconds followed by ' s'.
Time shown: 7 h 45 min
